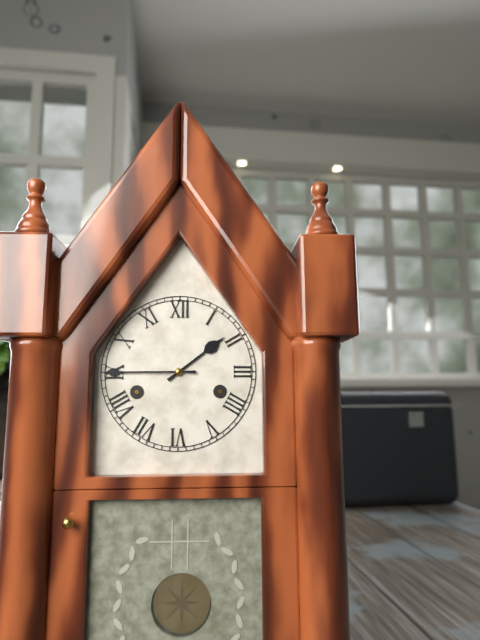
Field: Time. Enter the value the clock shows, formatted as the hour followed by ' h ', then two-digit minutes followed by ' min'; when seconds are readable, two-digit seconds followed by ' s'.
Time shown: 1 h 45 min
